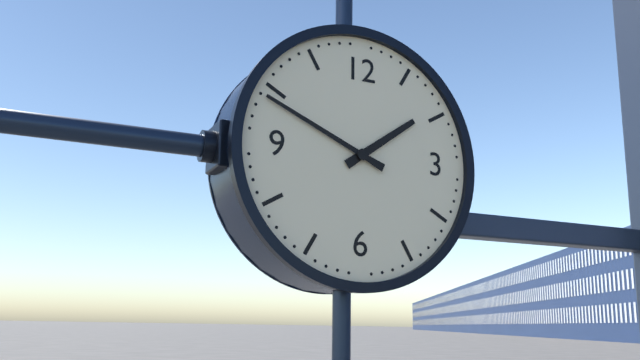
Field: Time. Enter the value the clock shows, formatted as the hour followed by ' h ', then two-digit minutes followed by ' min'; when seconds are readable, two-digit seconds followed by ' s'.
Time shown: 1 h 49 min
